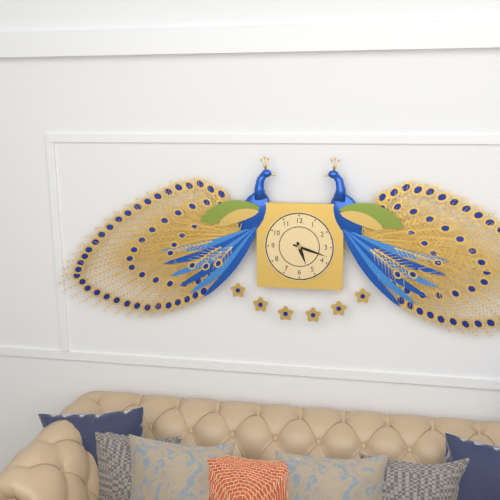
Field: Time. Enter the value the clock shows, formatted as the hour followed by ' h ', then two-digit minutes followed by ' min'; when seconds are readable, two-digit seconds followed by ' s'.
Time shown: 5 h 18 min
